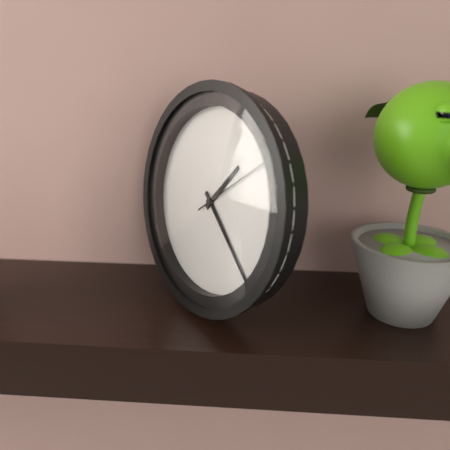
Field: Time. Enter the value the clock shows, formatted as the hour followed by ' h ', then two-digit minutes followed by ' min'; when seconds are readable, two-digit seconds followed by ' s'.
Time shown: 1 h 22 min 09 s
